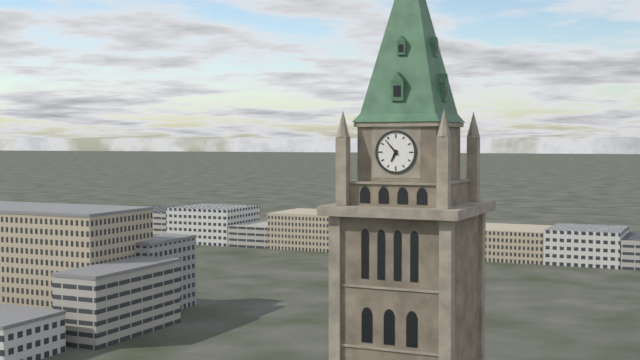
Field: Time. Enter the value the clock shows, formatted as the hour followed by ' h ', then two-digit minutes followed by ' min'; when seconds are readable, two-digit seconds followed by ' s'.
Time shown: 6 h 53 min
